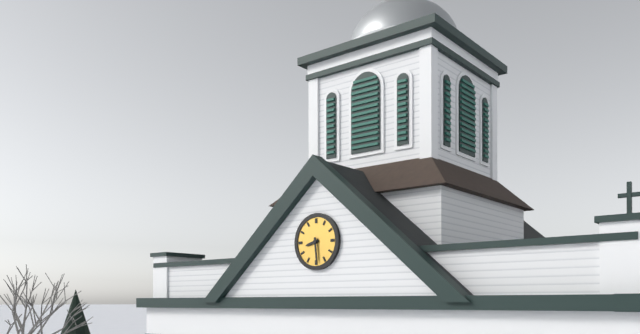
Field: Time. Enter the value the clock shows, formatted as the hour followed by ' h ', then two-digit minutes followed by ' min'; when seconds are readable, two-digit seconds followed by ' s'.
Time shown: 8 h 29 min
